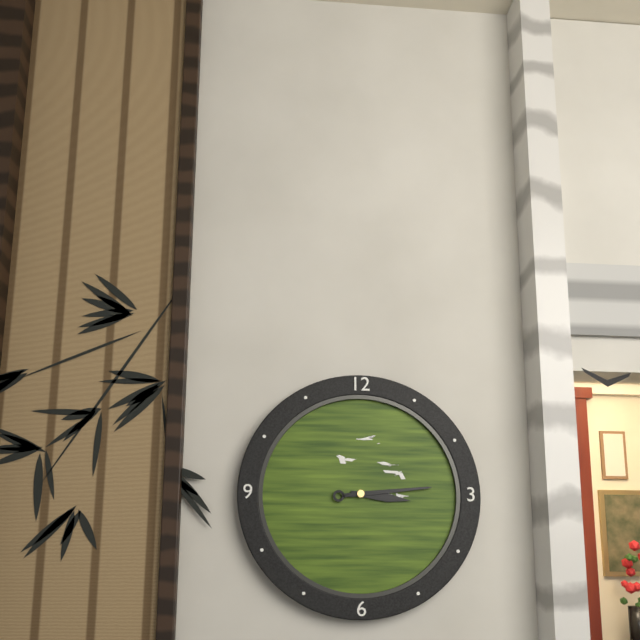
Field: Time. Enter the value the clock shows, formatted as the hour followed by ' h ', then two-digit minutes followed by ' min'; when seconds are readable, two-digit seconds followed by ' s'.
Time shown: 3 h 14 min
